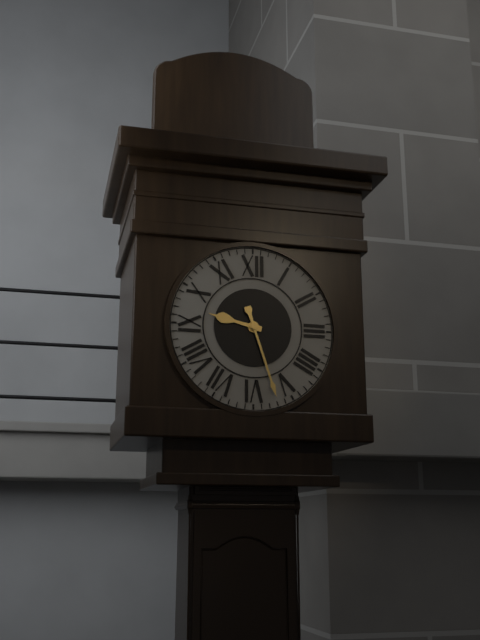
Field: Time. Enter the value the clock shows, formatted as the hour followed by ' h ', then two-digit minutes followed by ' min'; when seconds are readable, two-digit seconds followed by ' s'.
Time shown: 9 h 27 min
